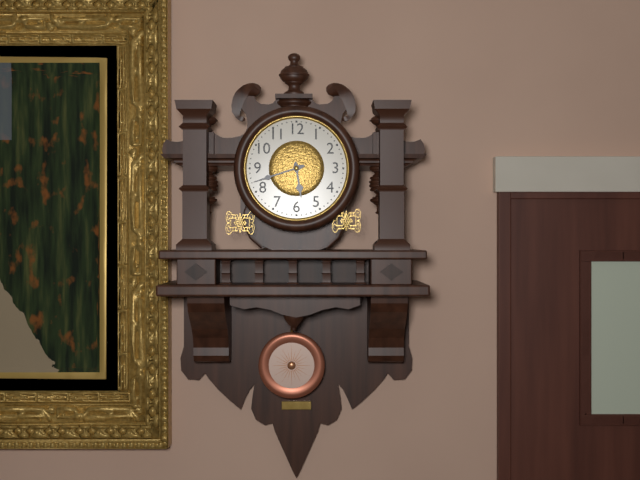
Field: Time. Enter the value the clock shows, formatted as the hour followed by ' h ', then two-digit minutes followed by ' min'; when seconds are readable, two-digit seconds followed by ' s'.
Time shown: 5 h 42 min
